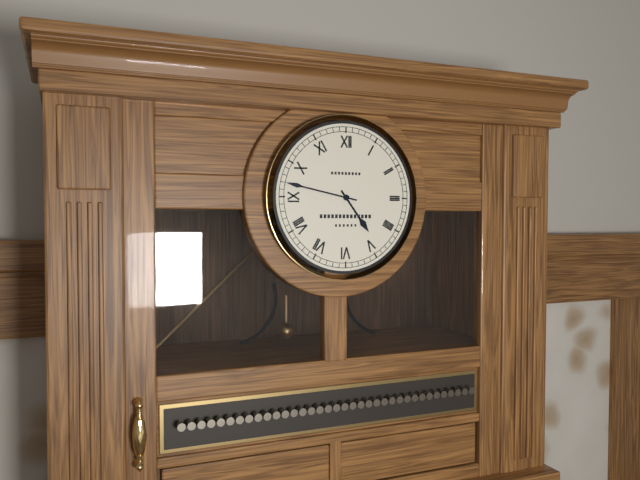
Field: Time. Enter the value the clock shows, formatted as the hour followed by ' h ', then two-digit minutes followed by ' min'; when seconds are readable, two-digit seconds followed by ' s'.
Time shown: 4 h 47 min
